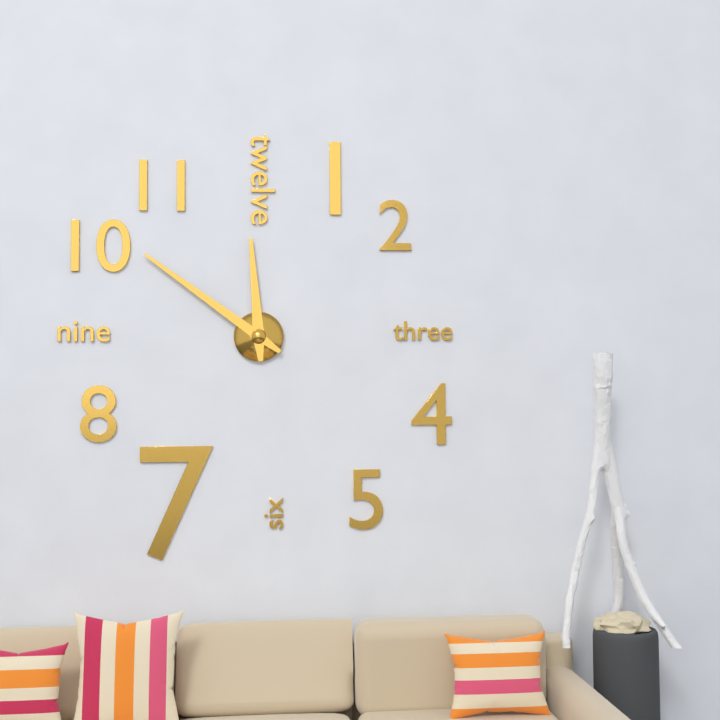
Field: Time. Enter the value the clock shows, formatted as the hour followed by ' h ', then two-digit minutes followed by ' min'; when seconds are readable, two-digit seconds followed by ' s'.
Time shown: 11 h 51 min
